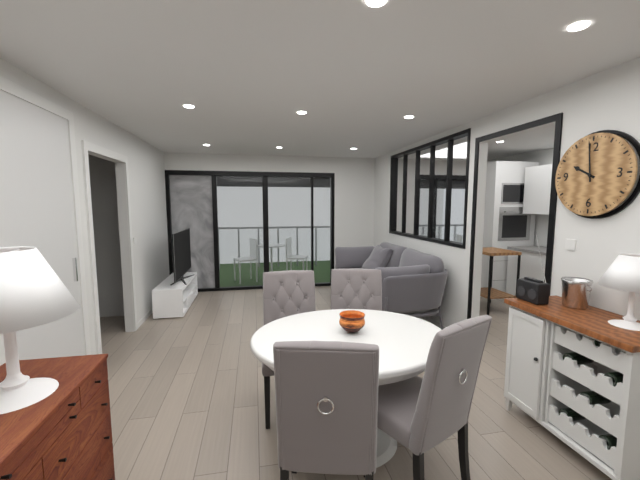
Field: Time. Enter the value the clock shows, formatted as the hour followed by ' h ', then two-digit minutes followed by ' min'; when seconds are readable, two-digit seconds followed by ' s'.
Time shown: 9 h 59 min
